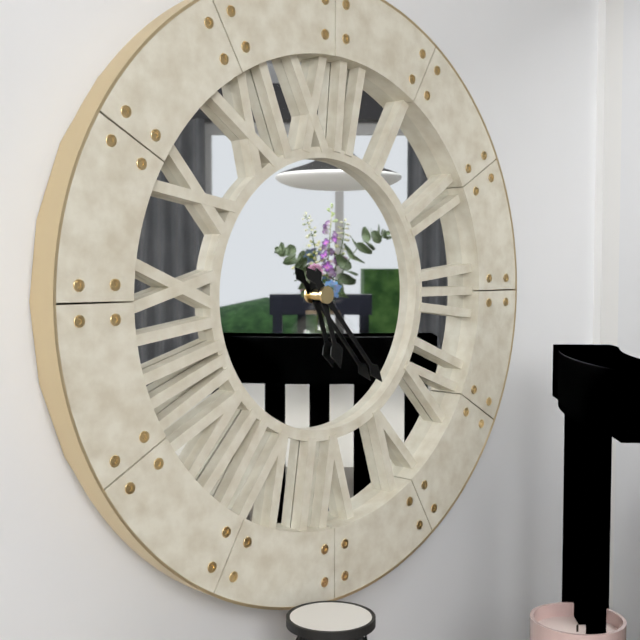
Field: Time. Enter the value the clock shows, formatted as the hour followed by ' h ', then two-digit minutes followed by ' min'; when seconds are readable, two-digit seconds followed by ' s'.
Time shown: 5 h 23 min
